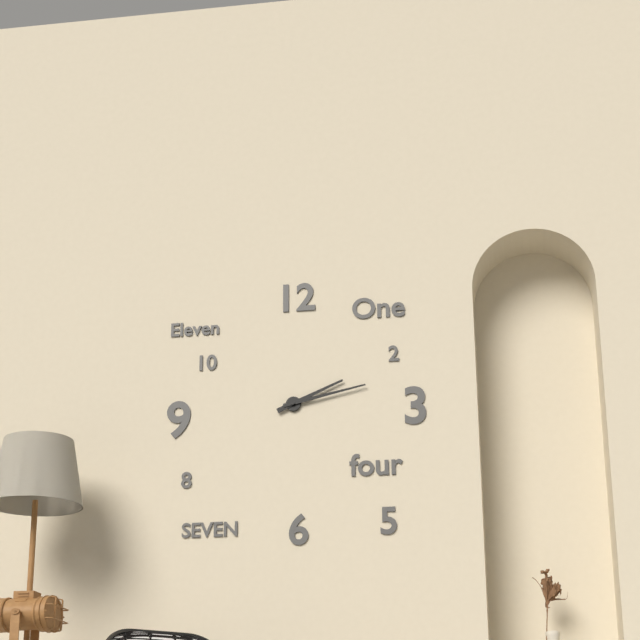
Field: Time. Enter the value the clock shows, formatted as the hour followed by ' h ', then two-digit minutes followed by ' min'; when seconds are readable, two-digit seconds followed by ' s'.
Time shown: 2 h 13 min
